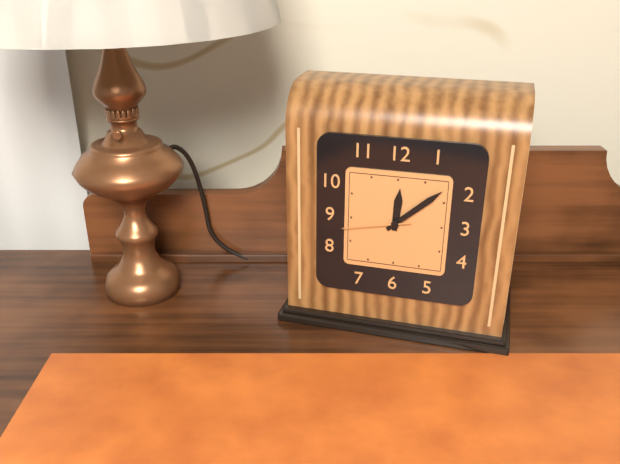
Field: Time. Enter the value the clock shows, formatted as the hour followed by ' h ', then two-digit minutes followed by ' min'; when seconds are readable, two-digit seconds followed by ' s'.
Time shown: 12 h 08 min 43 s
